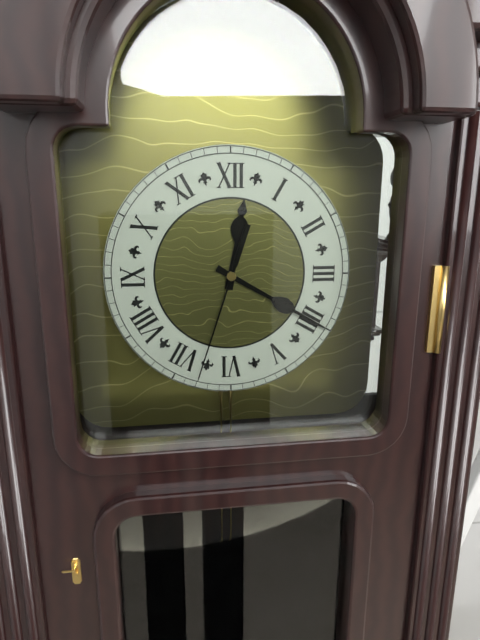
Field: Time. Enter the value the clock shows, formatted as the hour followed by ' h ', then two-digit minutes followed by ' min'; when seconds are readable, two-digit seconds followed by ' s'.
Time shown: 12 h 20 min 33 s
